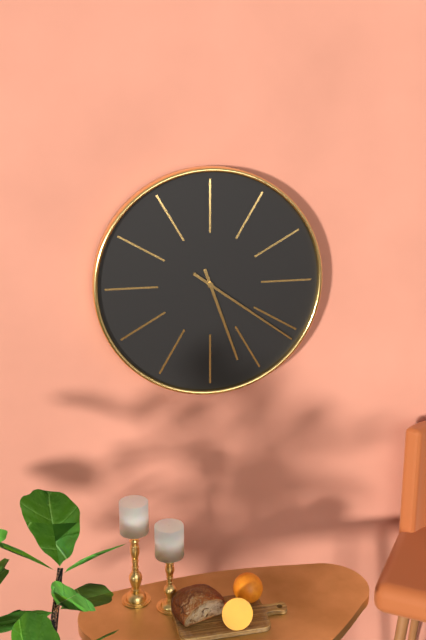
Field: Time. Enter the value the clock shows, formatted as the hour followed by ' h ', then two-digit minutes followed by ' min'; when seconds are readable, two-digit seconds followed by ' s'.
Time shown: 5 h 21 min
